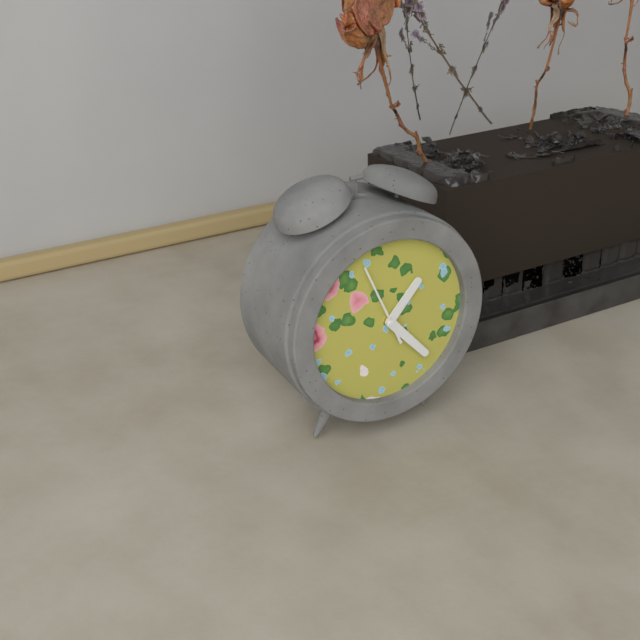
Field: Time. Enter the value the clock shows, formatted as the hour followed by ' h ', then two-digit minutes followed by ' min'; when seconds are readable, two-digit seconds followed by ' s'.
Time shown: 1 h 23 min 56 s
